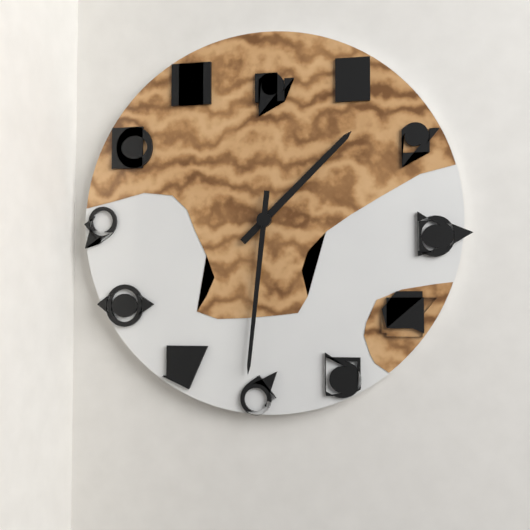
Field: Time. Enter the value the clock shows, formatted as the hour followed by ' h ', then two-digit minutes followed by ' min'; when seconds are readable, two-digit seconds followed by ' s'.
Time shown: 1 h 31 min
